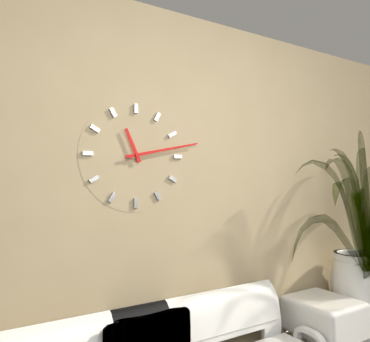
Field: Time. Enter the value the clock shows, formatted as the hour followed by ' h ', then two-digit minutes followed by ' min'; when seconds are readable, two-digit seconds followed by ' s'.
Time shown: 11 h 13 min
